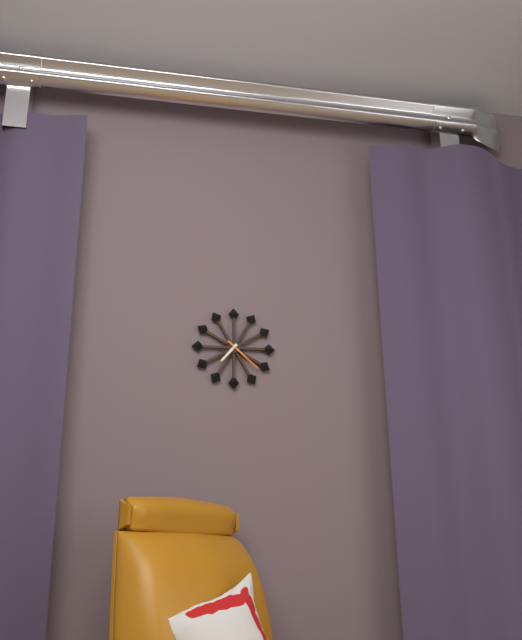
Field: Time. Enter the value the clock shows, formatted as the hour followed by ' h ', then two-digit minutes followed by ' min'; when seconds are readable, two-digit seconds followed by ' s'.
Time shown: 7 h 22 min
